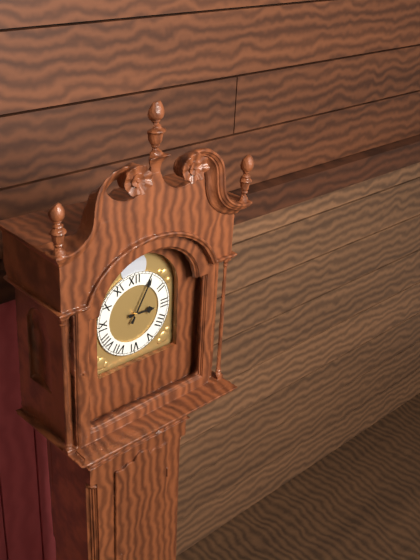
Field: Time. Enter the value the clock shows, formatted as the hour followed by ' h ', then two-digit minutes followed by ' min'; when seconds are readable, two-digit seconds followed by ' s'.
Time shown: 3 h 05 min
